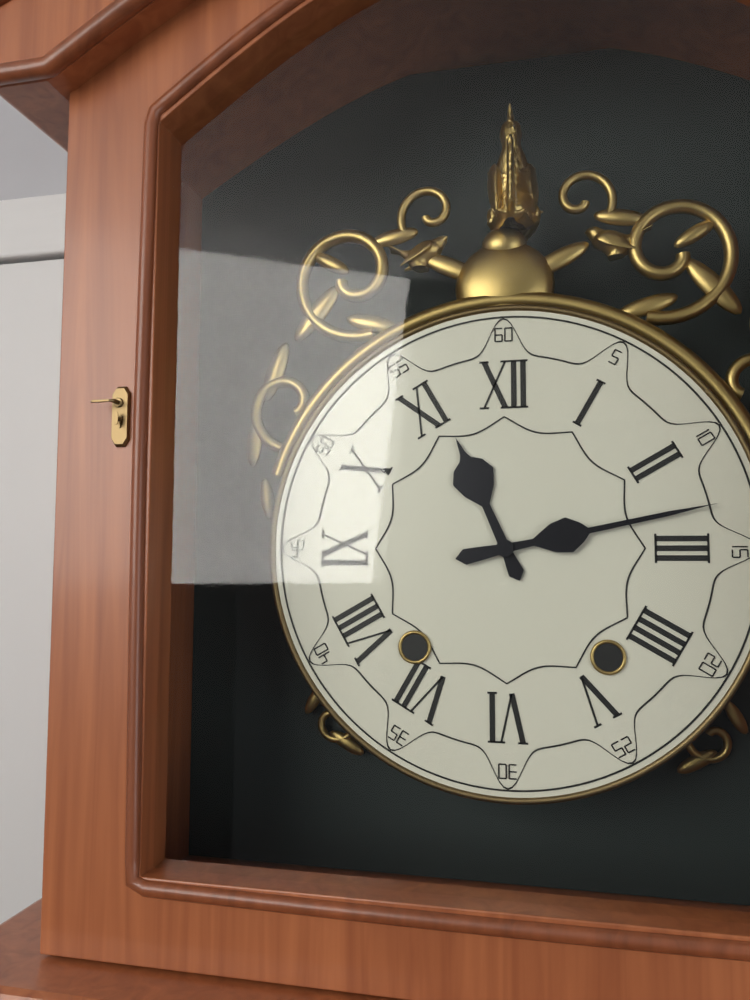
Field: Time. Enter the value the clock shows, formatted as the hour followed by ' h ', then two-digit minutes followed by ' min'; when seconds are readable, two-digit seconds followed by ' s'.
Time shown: 11 h 13 min
